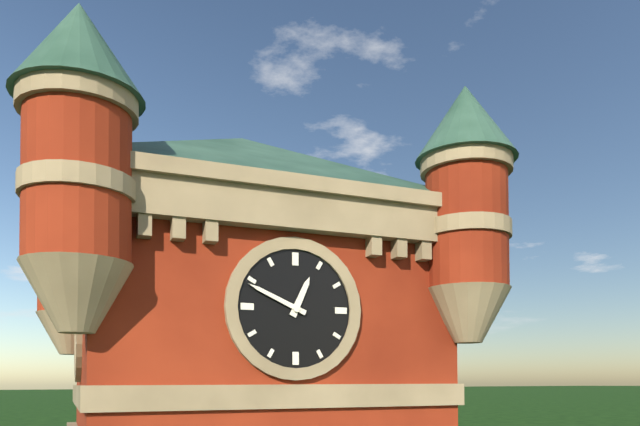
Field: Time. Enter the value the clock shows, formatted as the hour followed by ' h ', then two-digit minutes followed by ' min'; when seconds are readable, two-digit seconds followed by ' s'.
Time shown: 12 h 49 min
